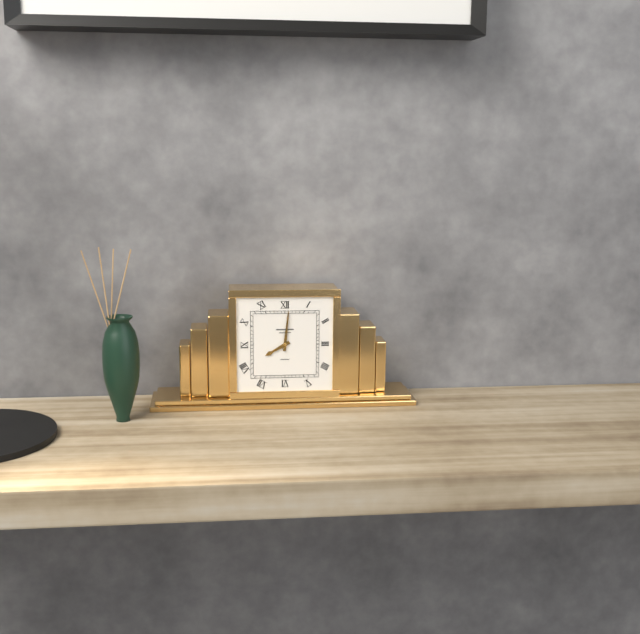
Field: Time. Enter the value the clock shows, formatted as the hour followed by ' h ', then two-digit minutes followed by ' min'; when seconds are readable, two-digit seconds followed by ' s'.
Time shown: 8 h 01 min
